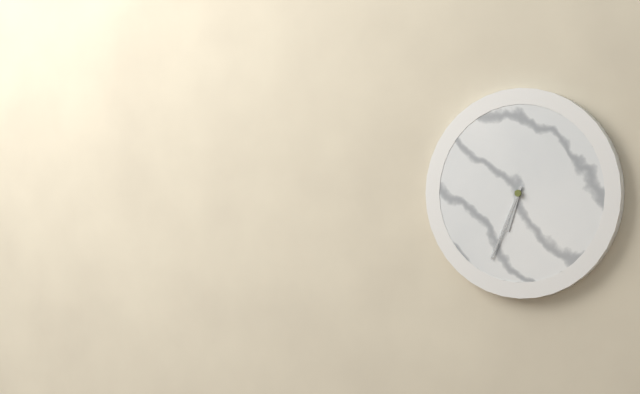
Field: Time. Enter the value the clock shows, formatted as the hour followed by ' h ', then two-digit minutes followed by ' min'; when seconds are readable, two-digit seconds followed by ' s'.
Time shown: 6 h 34 min
